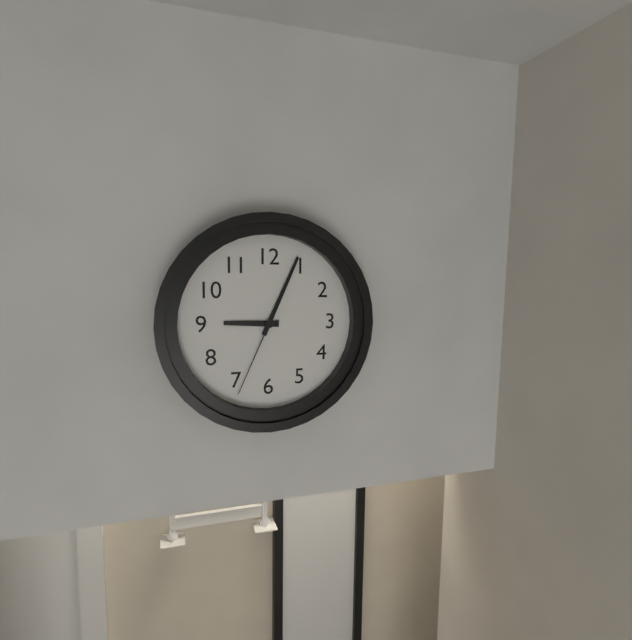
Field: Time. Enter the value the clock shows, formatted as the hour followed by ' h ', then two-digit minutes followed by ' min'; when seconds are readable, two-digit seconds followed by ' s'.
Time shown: 9 h 04 min 34 s
